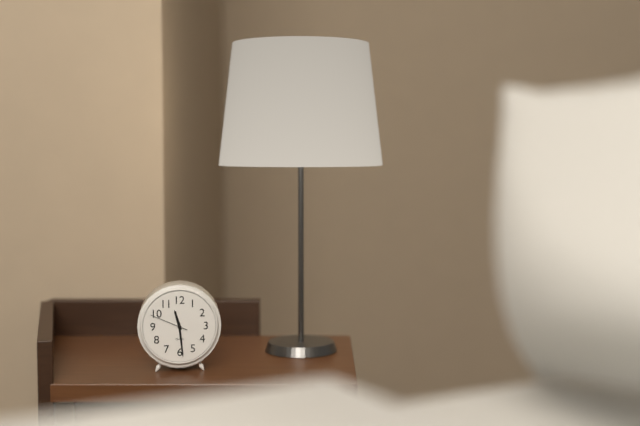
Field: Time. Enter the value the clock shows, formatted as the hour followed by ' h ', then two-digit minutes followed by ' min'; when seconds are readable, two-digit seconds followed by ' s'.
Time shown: 11 h 29 min
